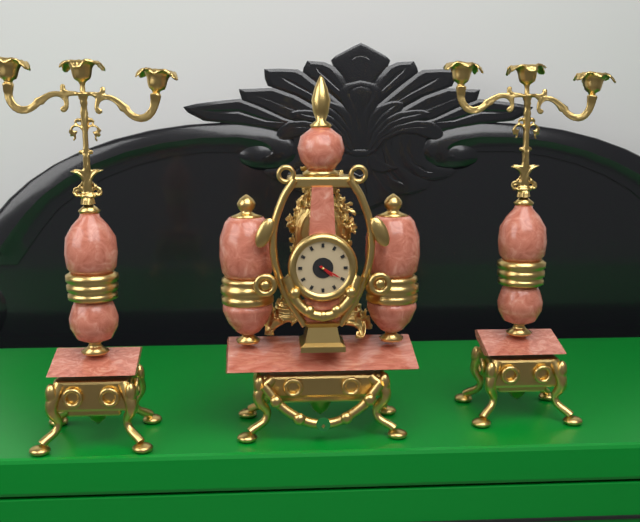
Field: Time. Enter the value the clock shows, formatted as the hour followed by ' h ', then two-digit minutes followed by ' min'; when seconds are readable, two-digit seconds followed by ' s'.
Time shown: 4 h 20 min
